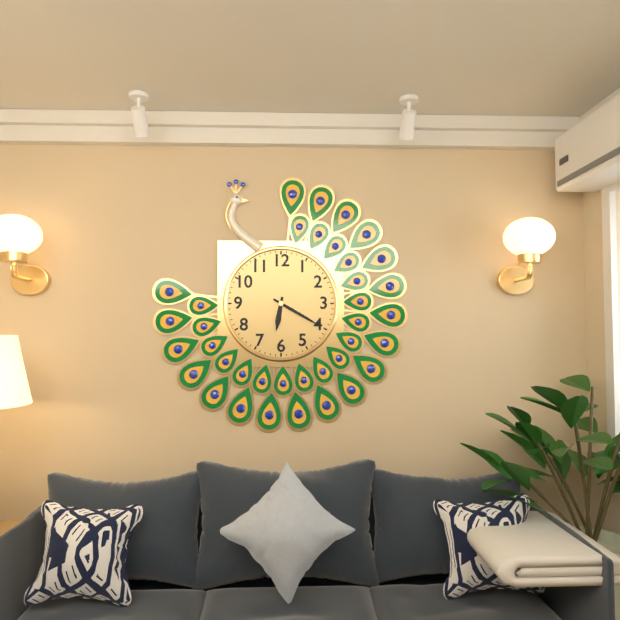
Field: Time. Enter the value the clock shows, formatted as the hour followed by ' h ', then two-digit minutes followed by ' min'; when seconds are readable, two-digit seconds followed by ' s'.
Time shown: 6 h 20 min
